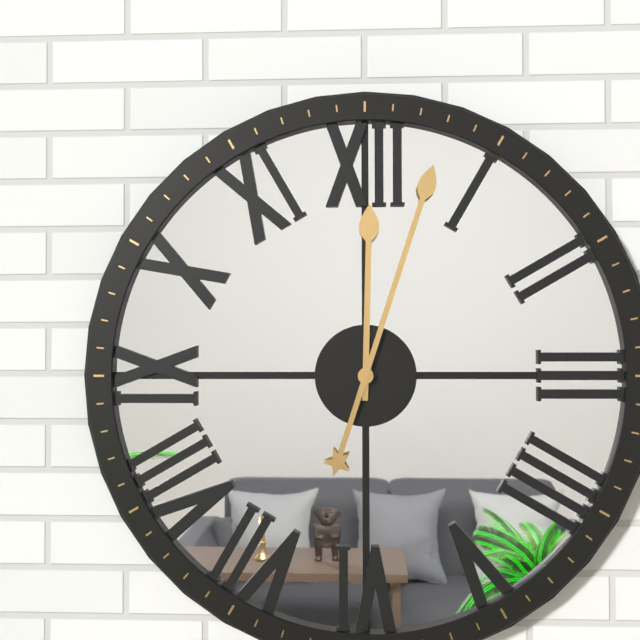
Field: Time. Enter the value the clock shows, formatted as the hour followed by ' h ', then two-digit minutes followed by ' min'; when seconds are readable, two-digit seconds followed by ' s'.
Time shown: 12 h 03 min
